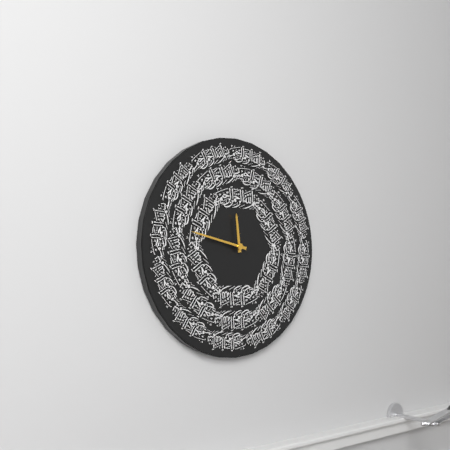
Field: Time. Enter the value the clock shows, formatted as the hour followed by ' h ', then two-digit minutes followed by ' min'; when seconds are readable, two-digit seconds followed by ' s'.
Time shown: 11 h 47 min
